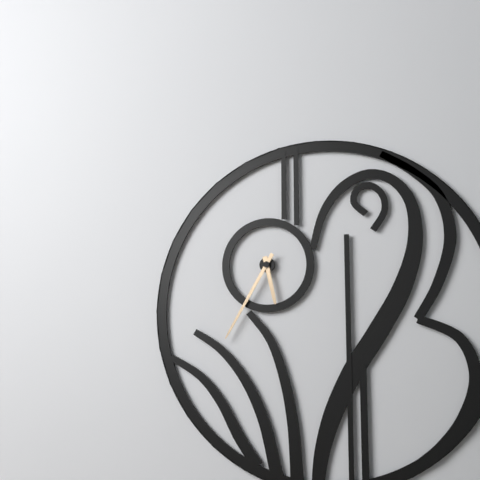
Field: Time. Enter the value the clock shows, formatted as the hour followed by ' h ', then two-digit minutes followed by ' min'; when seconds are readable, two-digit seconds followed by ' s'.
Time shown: 5 h 35 min
